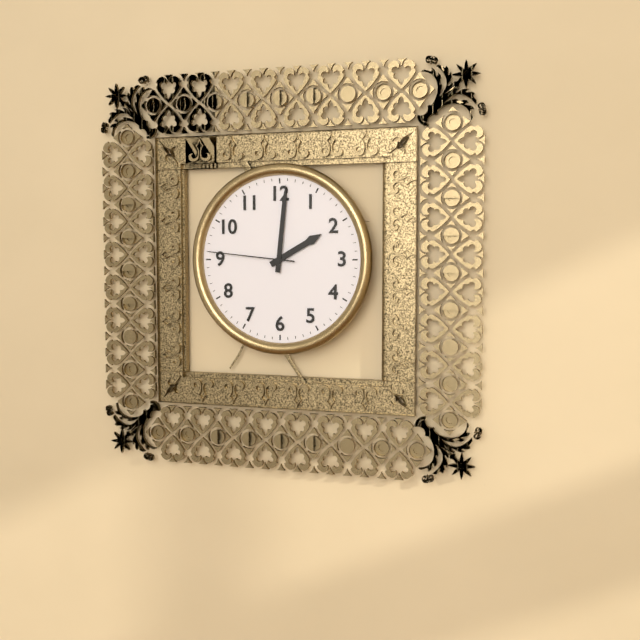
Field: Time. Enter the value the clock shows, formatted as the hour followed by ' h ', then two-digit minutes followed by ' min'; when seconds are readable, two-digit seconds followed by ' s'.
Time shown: 2 h 01 min 46 s
